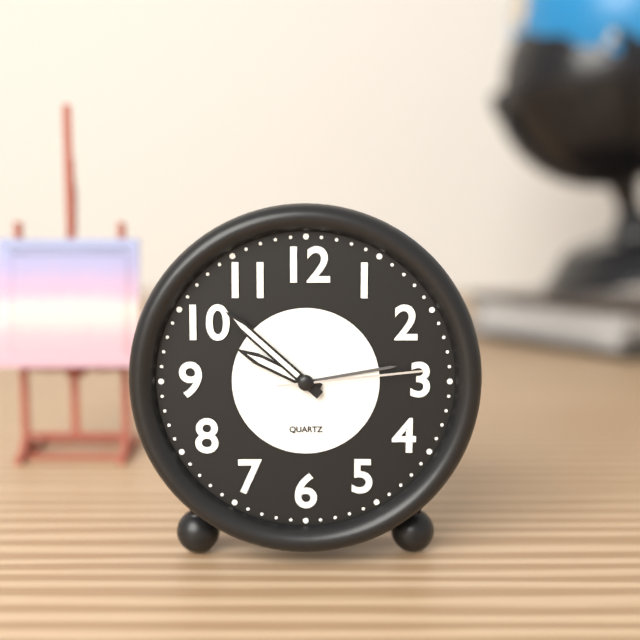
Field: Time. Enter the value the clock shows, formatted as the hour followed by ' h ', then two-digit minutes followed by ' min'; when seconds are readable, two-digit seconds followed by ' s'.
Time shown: 9 h 52 min 14 s
